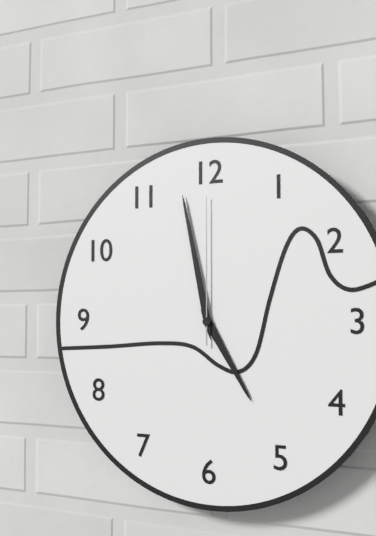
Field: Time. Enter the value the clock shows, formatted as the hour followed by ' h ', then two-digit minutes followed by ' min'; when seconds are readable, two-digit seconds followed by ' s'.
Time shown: 4 h 58 min 00 s
